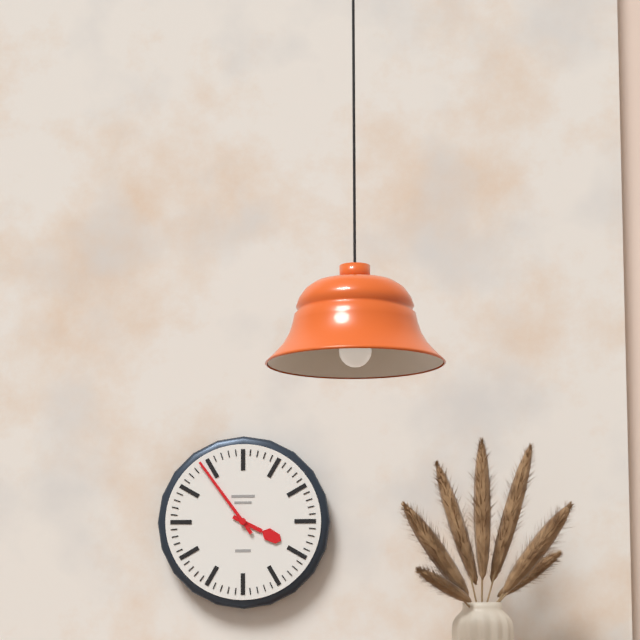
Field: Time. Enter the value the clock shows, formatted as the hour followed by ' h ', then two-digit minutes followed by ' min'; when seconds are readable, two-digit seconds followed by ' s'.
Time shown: 3 h 54 min
